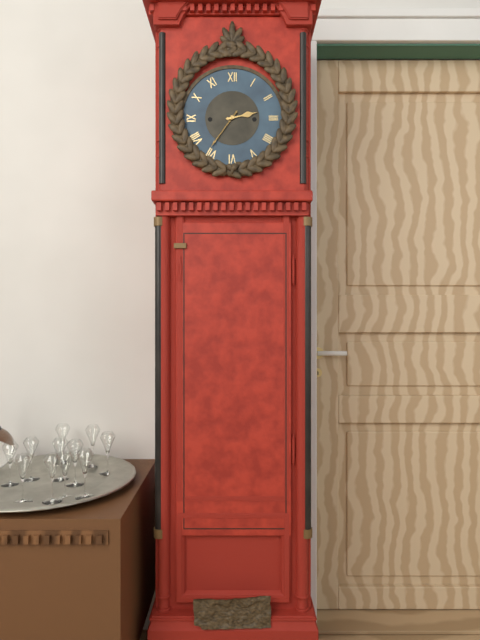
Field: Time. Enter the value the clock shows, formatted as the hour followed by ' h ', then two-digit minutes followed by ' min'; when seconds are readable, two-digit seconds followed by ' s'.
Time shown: 2 h 36 min
